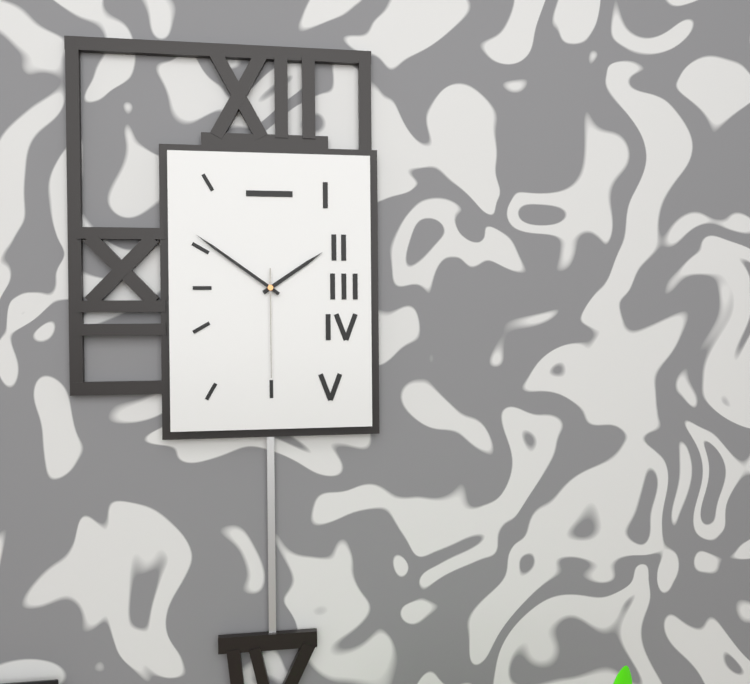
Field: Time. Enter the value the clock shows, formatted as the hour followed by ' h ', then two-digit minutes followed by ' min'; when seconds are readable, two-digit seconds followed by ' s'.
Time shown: 1 h 51 min 30 s
